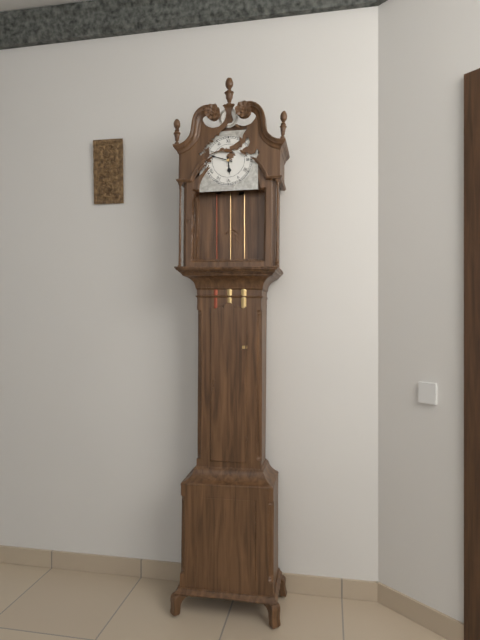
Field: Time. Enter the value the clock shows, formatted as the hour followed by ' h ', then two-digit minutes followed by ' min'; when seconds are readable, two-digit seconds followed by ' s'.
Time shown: 5 h 48 min
